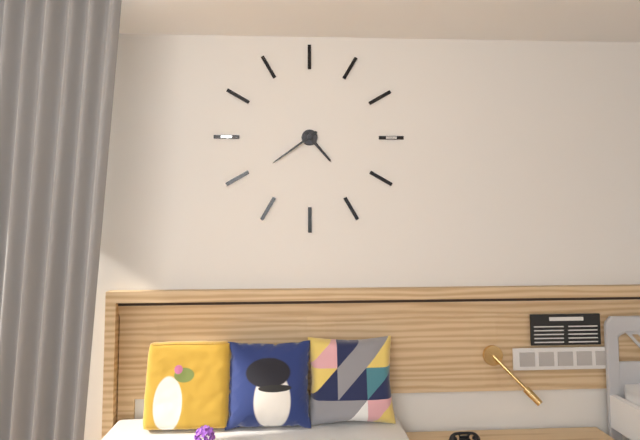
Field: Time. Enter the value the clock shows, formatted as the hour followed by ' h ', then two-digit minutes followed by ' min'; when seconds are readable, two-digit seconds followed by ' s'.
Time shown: 4 h 39 min
